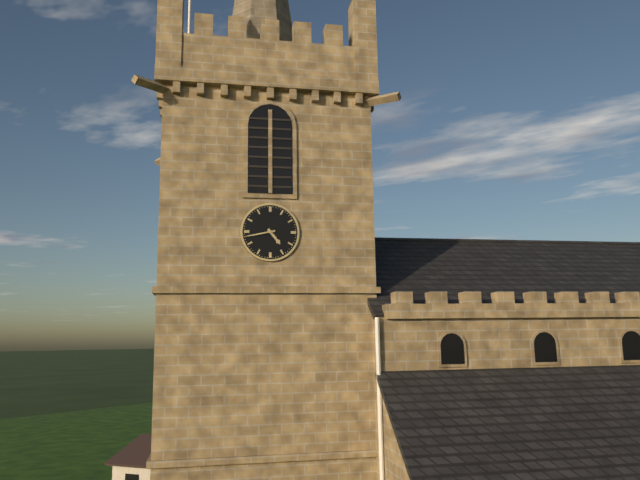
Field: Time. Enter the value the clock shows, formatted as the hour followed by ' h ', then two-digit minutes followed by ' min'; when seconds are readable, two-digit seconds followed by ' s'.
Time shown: 4 h 43 min
